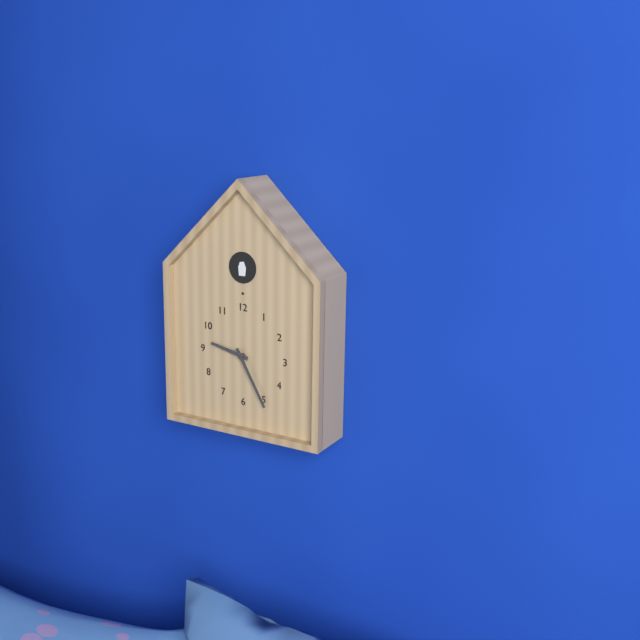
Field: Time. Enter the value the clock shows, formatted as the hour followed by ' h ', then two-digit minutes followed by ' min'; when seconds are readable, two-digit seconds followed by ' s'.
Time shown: 9 h 25 min
